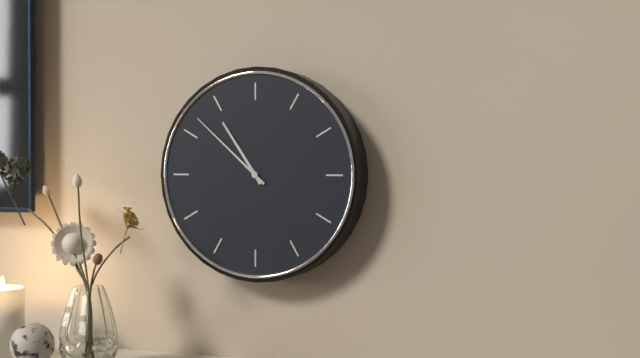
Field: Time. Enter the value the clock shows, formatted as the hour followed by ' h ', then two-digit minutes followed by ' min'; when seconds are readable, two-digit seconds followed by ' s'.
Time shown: 10 h 52 min
